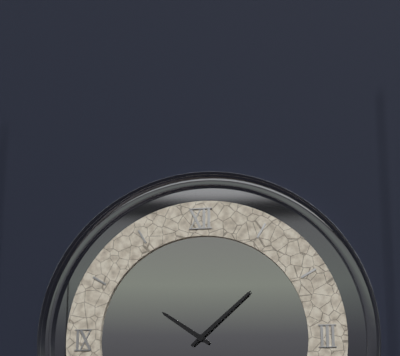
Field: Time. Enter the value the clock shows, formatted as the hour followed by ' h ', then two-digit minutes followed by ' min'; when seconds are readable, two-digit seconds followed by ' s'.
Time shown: 10 h 08 min
